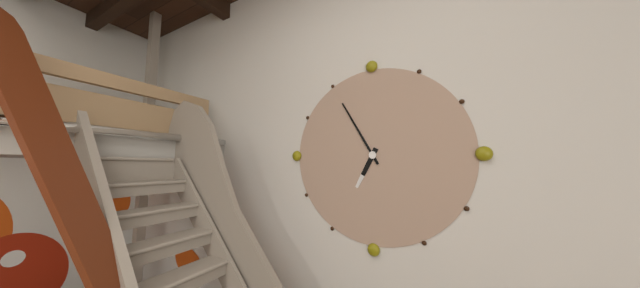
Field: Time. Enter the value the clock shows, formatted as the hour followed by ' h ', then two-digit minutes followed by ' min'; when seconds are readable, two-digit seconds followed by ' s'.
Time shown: 6 h 55 min
